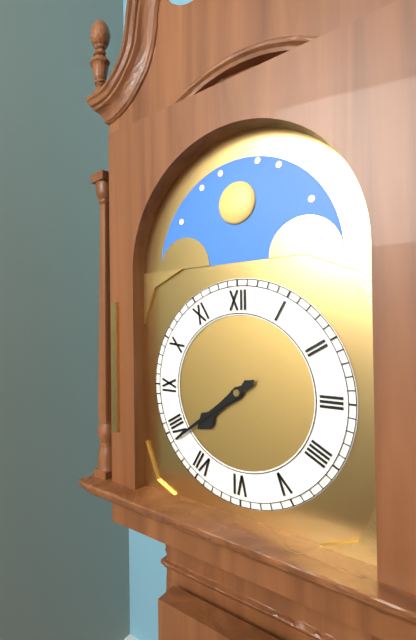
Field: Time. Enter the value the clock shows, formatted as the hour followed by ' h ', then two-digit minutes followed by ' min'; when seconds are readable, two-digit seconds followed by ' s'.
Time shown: 7 h 39 min
